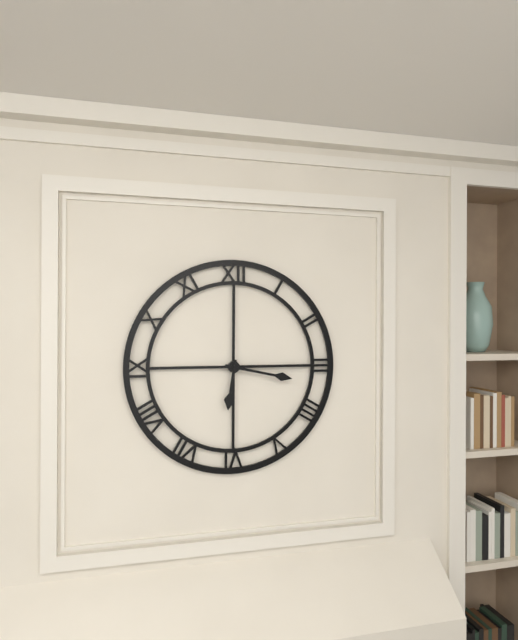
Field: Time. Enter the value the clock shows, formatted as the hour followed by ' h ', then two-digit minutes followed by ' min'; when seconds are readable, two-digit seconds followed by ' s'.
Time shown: 6 h 17 min 15 s
